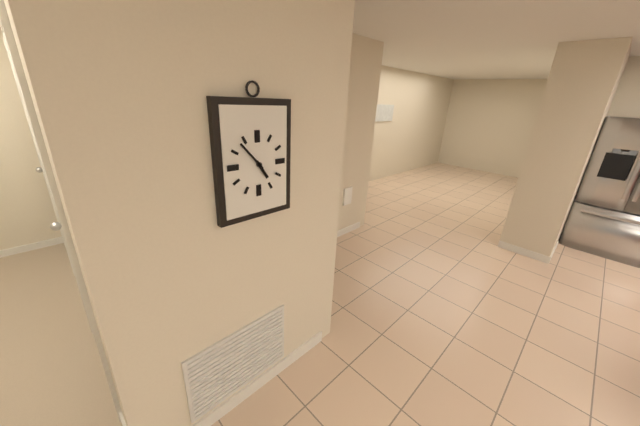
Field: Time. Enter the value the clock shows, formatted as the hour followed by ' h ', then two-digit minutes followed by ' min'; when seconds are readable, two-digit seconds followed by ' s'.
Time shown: 4 h 53 min
